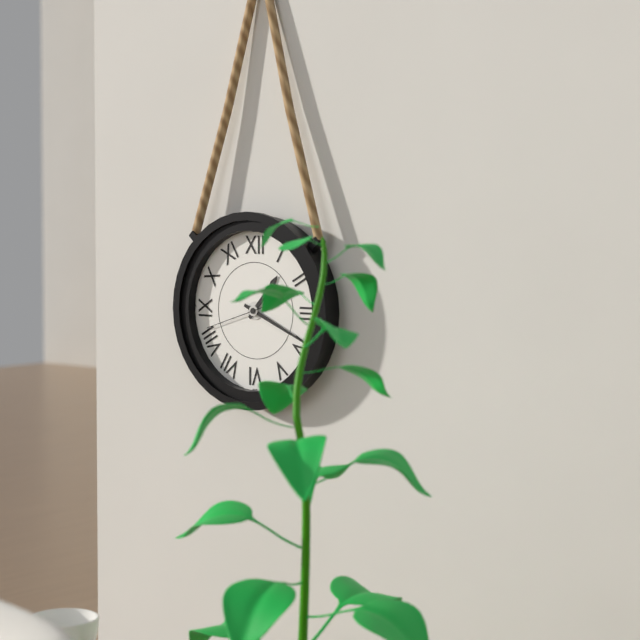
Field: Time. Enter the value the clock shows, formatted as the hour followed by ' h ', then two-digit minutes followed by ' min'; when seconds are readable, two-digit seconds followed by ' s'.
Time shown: 1 h 19 min 42 s
